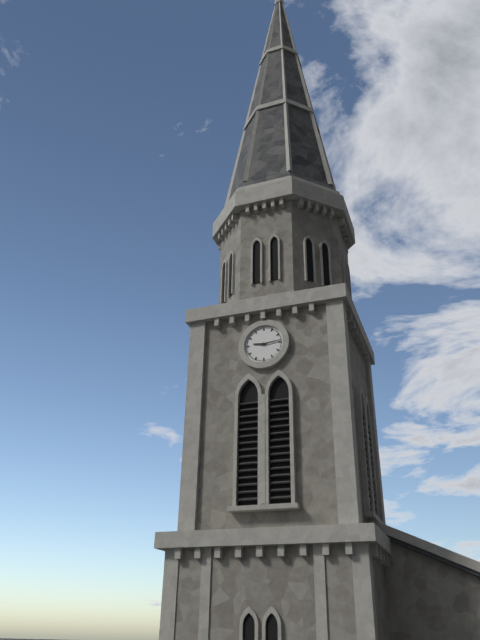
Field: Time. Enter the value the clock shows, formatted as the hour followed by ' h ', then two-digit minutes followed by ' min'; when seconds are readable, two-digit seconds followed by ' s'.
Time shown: 9 h 14 min
